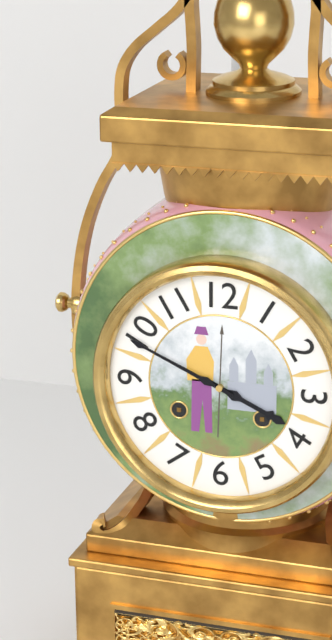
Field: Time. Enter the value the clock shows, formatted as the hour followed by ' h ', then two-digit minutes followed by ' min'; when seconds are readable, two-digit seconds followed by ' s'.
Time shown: 3 h 49 min
